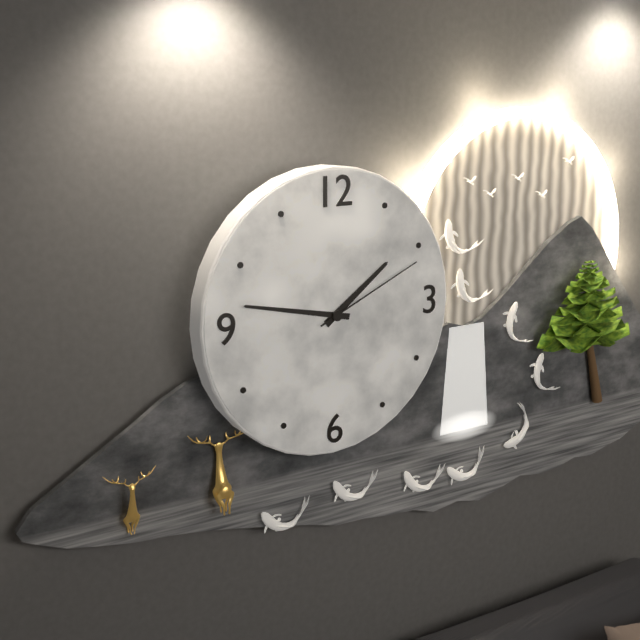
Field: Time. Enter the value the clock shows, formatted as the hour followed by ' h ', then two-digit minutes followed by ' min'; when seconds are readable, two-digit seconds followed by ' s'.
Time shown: 1 h 47 min 11 s
